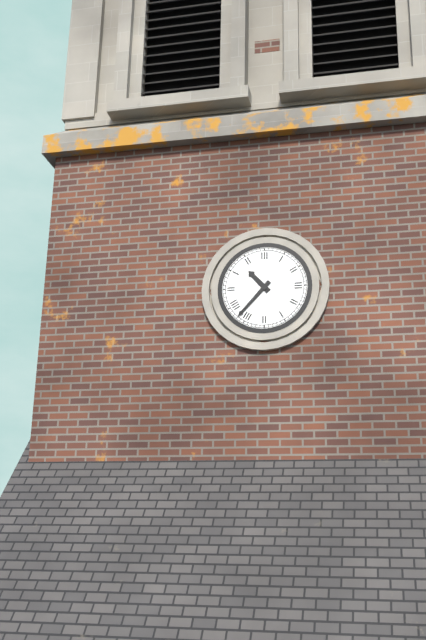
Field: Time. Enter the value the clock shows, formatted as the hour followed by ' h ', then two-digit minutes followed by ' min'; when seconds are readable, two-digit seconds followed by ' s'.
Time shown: 10 h 37 min
